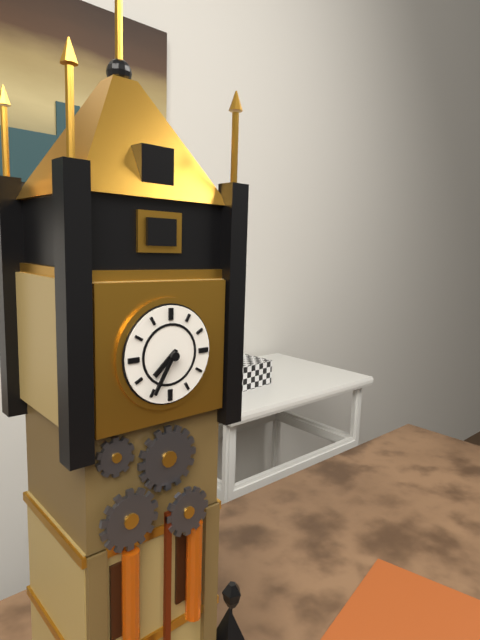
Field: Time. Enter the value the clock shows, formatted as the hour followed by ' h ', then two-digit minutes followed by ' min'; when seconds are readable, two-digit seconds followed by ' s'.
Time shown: 7 h 35 min
